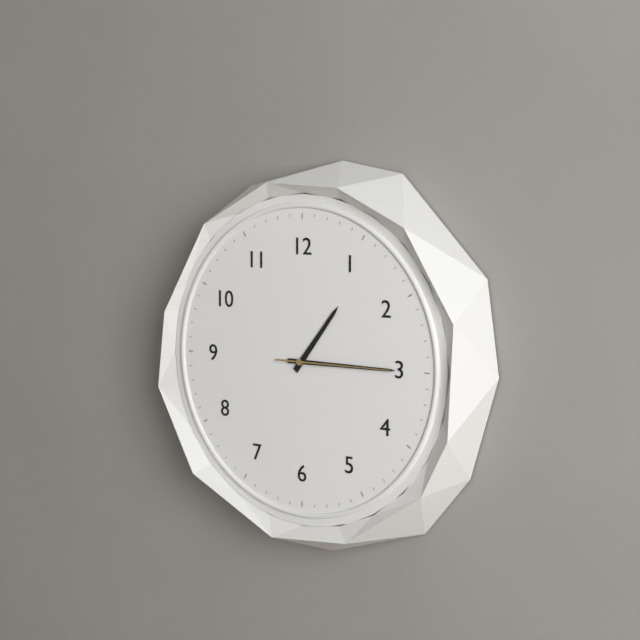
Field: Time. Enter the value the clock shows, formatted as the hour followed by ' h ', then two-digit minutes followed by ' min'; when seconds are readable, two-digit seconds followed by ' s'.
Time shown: 1 h 15 min 15 s
